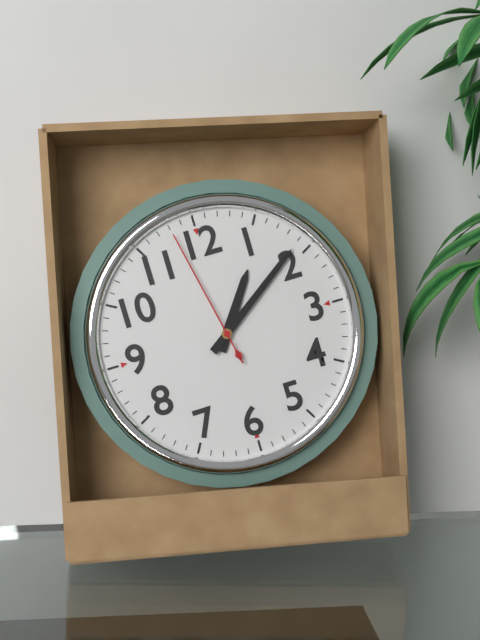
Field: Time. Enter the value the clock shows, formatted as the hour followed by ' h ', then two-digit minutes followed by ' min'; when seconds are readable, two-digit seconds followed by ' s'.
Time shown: 1 h 09 min 58 s
